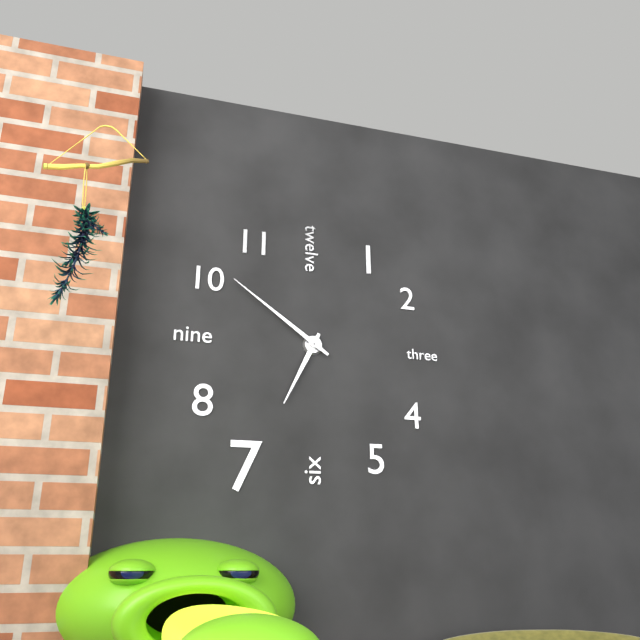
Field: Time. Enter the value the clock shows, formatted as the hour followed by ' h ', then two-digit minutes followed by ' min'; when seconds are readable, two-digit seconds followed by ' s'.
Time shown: 6 h 51 min
